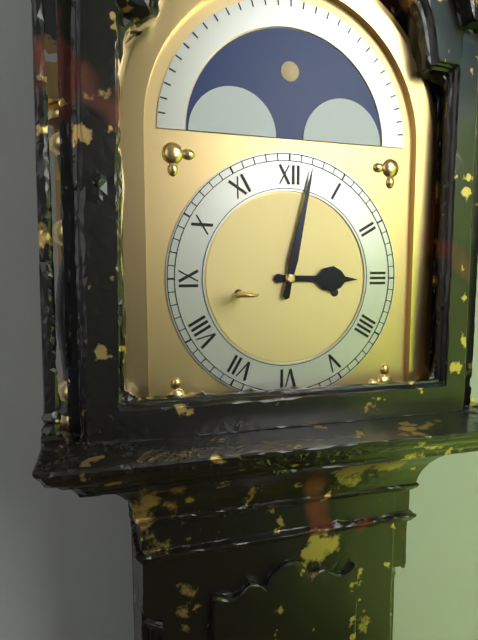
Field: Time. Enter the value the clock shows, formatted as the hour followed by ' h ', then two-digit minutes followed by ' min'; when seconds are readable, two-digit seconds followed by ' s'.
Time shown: 3 h 02 min
